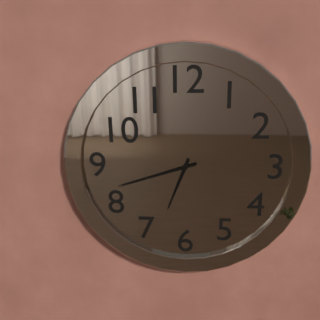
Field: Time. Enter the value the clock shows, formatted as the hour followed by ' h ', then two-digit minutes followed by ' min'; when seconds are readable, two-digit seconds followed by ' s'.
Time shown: 6 h 42 min
